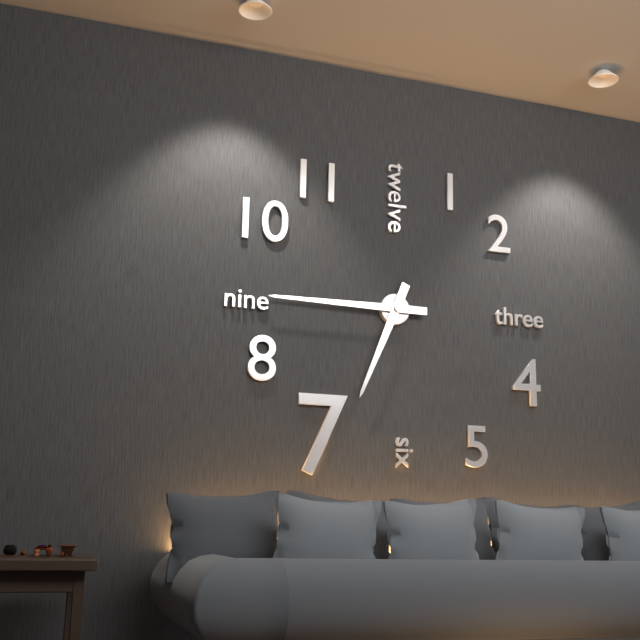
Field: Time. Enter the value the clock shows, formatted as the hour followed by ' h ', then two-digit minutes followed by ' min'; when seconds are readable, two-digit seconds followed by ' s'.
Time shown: 6 h 45 min
